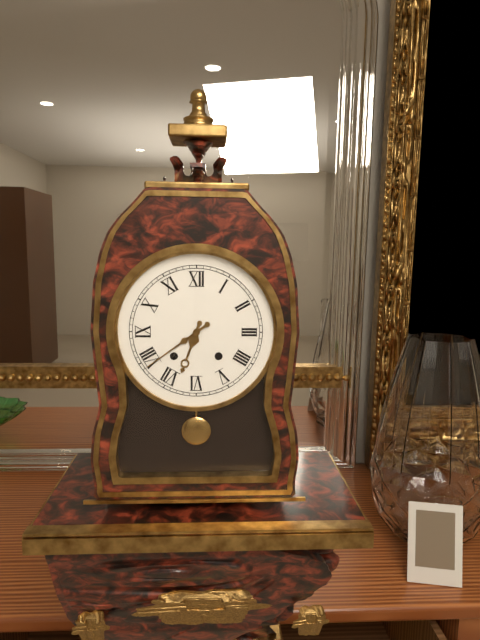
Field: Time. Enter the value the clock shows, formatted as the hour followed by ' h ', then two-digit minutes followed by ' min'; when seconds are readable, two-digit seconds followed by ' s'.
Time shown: 6 h 39 min
